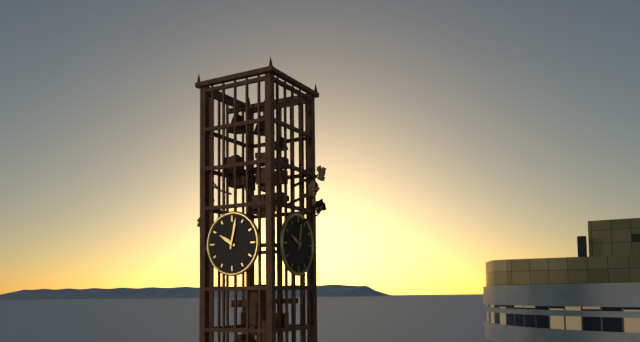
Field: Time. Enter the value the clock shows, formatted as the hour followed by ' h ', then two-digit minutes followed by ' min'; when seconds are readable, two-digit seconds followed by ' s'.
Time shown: 10 h 02 min
